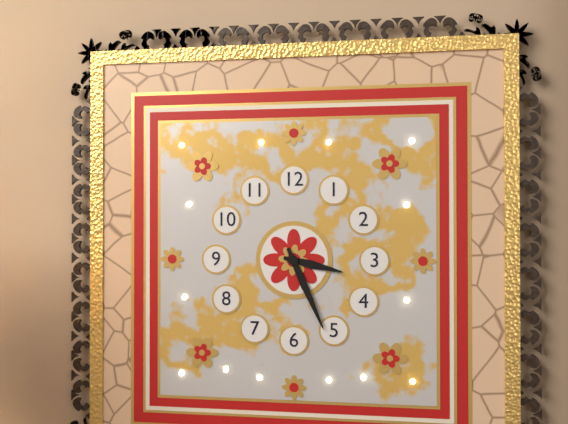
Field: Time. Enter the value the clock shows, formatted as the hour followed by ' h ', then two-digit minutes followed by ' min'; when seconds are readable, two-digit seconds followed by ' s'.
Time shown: 3 h 26 min
